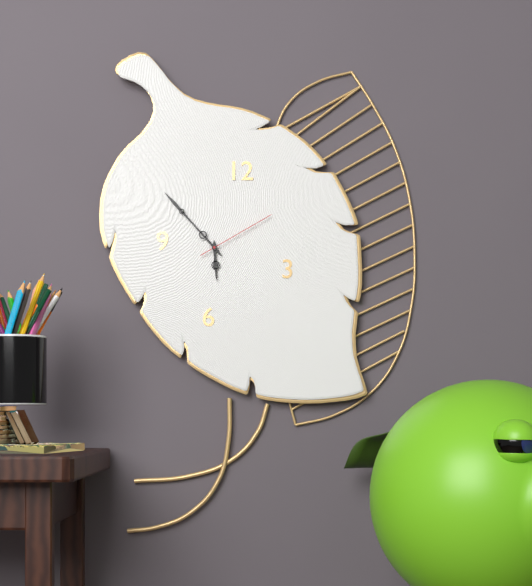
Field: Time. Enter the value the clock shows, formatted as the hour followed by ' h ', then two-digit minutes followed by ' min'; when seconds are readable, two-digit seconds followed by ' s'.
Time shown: 5 h 53 min 10 s
